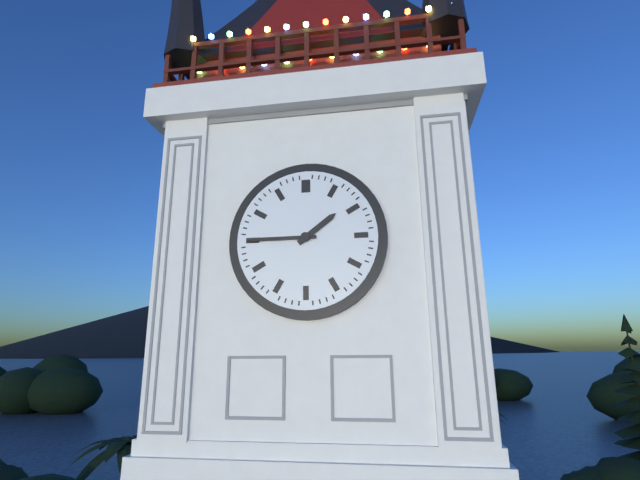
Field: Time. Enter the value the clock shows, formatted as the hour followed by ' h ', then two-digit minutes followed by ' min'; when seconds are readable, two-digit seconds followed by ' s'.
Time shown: 1 h 45 min
